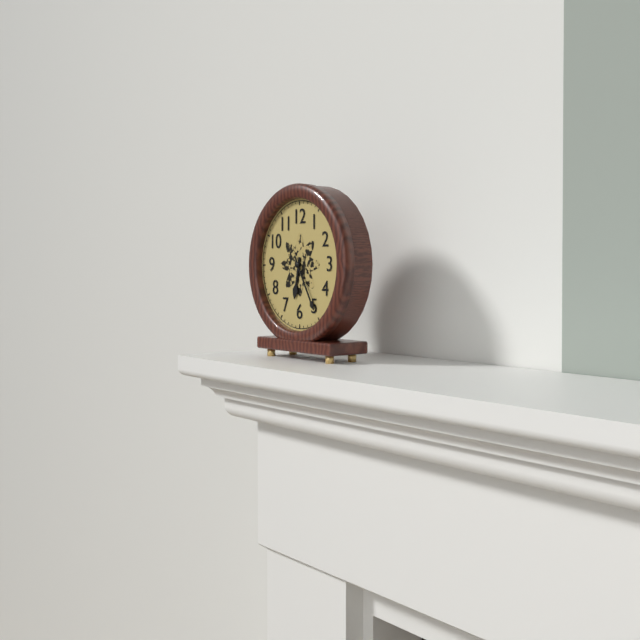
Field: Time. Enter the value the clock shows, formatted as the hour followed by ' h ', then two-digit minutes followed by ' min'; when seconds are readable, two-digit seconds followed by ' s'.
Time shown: 6 h 25 min
